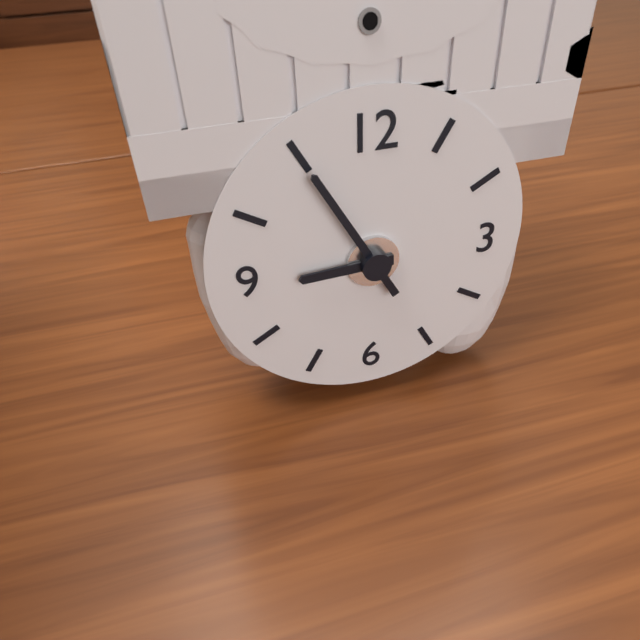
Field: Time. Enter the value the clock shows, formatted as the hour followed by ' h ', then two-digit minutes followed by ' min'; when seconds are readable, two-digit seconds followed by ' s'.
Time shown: 8 h 55 min
